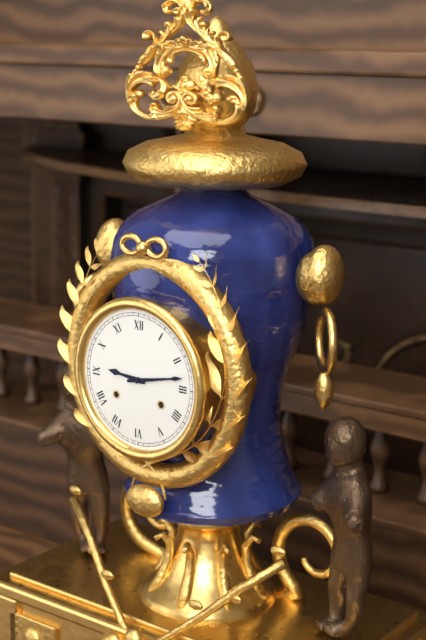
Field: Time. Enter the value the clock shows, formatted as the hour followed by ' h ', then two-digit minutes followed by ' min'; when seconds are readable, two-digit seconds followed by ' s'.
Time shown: 9 h 13 min
